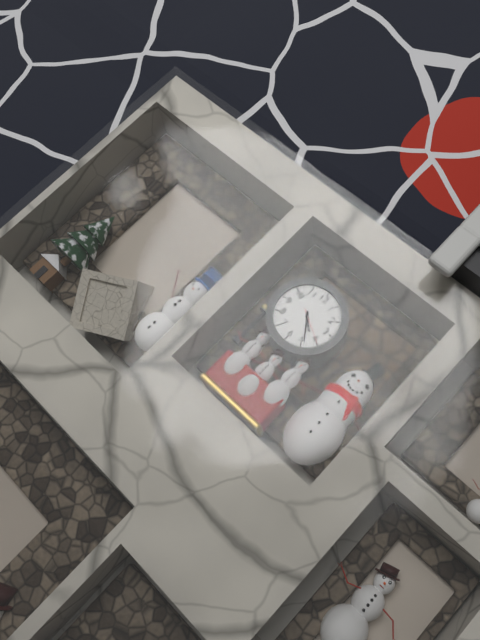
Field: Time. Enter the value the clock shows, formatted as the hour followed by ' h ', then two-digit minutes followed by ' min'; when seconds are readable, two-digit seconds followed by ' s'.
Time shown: 4 h 24 min
